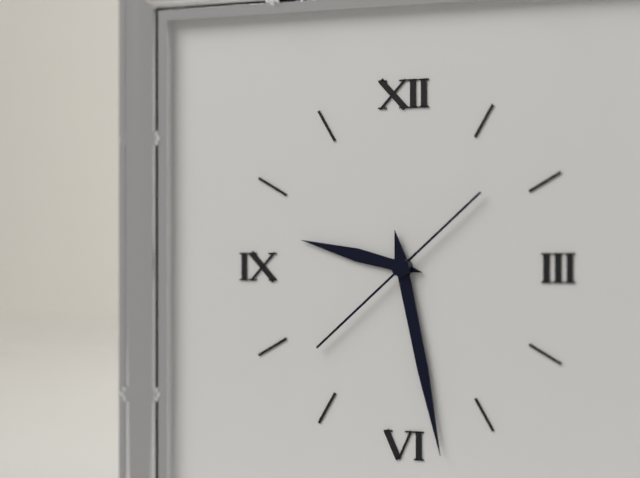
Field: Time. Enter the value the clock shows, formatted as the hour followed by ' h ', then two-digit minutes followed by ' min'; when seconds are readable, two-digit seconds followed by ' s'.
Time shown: 9 h 28 min 38 s
